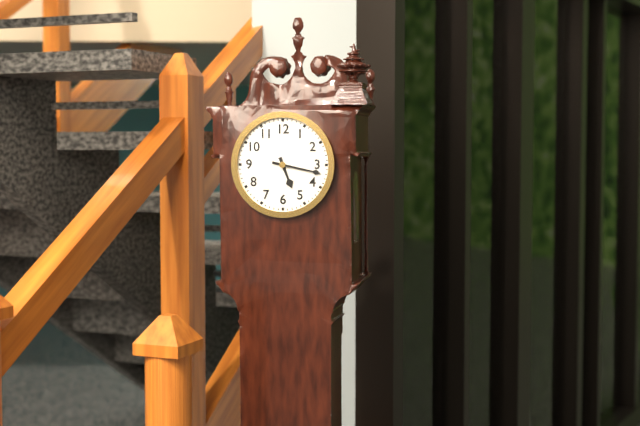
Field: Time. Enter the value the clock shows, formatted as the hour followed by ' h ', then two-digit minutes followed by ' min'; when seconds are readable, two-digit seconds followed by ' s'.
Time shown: 5 h 17 min
